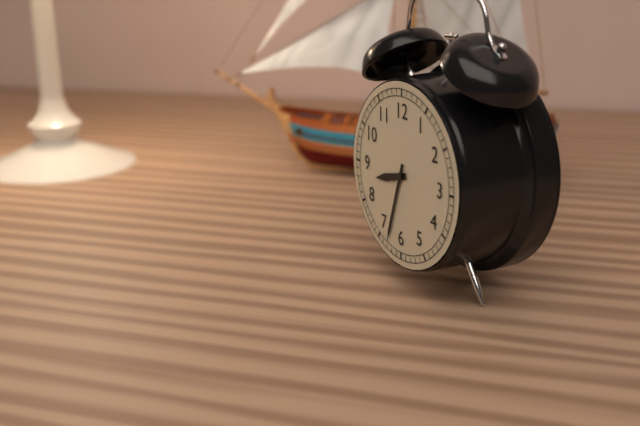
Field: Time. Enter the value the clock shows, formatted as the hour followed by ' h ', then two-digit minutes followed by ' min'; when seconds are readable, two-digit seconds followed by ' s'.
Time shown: 8 h 33 min
